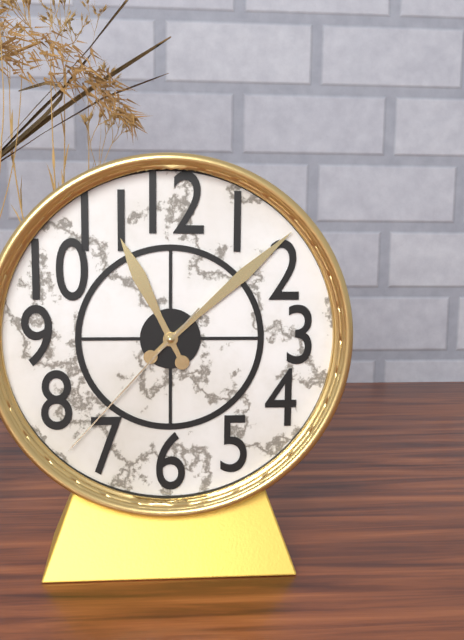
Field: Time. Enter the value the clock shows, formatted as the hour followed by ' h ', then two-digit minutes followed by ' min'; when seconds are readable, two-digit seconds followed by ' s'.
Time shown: 11 h 08 min 37 s
